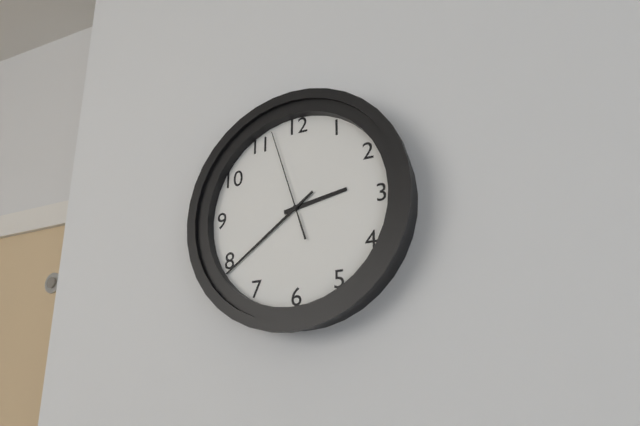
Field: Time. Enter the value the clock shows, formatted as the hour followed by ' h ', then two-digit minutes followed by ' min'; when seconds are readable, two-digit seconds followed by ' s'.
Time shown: 2 h 39 min 57 s
